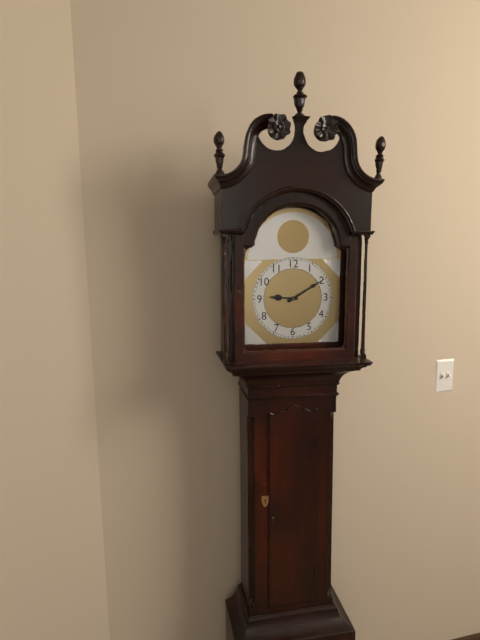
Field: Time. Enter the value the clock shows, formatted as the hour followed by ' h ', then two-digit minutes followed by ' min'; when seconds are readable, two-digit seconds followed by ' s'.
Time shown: 9 h 10 min
